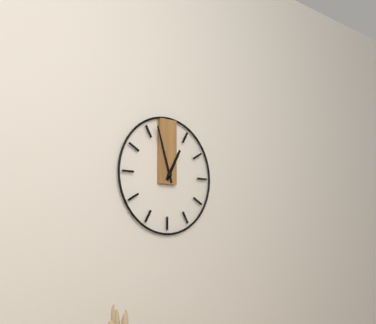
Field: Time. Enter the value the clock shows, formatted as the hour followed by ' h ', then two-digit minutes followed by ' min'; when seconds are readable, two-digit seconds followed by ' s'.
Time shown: 12 h 57 min
